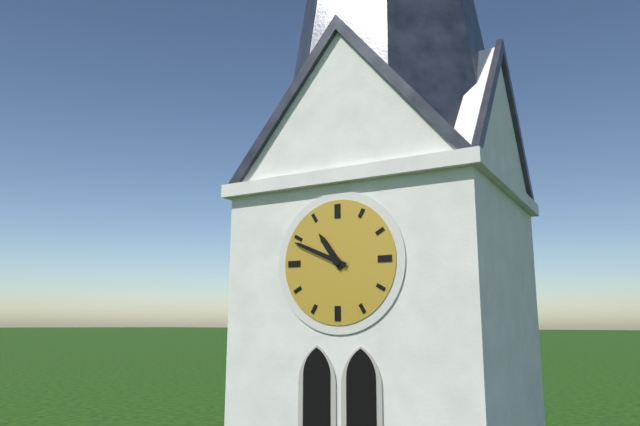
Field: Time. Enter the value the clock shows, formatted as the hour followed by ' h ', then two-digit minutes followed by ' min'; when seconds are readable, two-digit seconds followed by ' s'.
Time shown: 10 h 49 min
